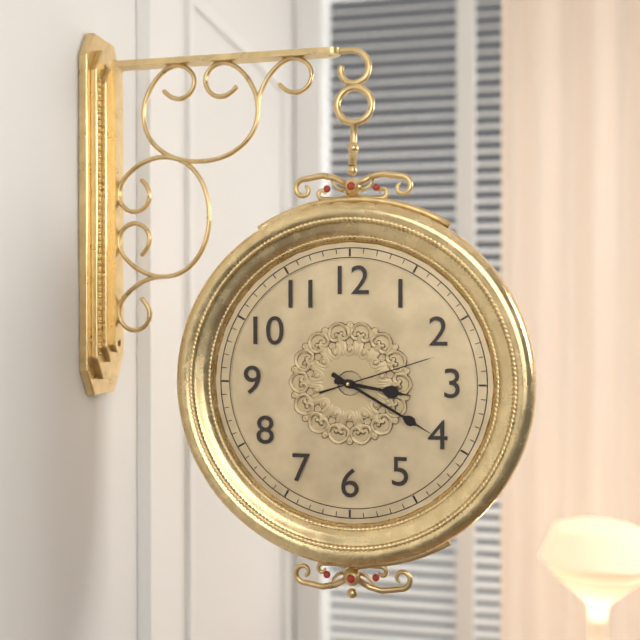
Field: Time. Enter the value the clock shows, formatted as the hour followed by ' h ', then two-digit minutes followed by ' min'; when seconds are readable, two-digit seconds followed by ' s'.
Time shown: 3 h 20 min 12 s
